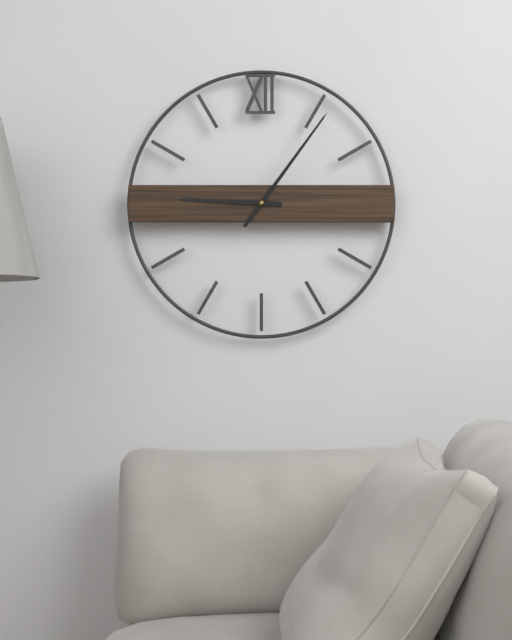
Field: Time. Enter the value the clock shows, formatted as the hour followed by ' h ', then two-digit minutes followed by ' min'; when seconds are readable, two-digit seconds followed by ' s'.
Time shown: 9 h 06 min
